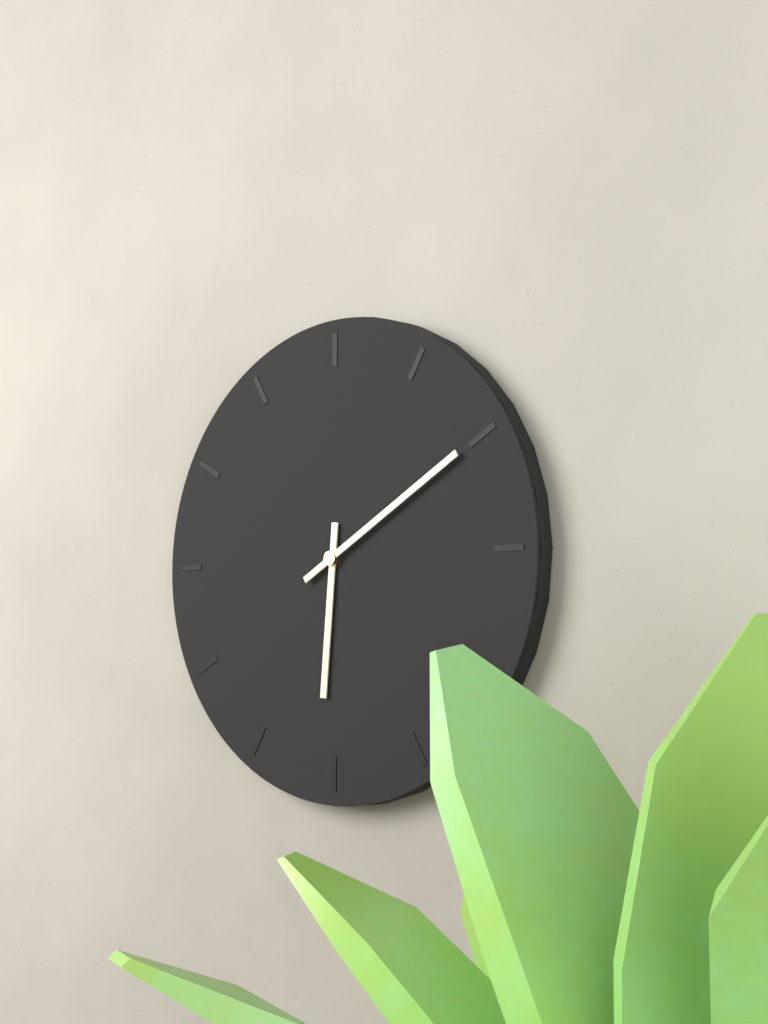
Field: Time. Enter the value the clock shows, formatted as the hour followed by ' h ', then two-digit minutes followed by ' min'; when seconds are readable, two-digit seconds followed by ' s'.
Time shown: 6 h 10 min
